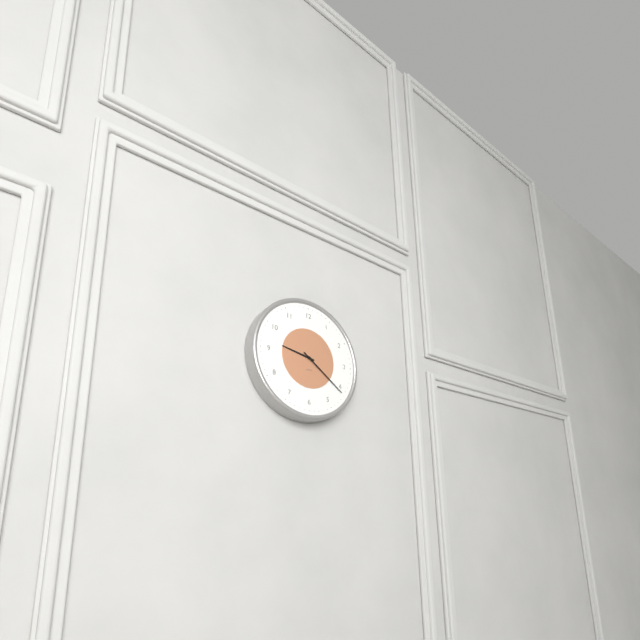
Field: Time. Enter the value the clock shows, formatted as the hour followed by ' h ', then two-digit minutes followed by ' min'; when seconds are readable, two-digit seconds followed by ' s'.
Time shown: 9 h 21 min
